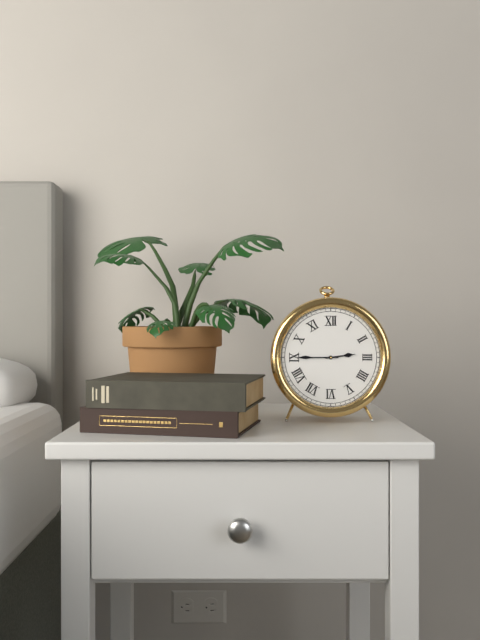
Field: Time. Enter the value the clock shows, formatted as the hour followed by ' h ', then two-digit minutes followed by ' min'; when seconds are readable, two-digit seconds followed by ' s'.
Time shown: 2 h 45 min
